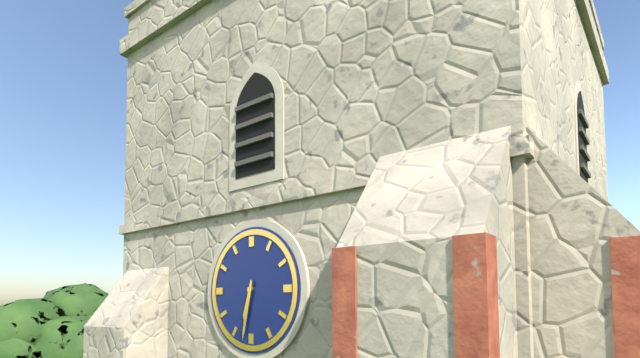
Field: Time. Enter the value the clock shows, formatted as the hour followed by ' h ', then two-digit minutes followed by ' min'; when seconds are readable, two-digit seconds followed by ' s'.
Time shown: 6 h 32 min
